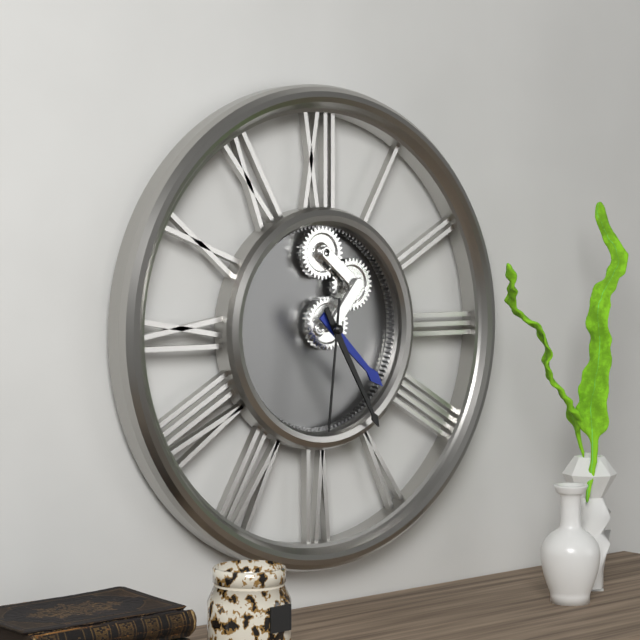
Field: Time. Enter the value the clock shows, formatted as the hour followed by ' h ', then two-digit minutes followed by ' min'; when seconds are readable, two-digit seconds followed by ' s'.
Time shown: 4 h 25 min 31 s
